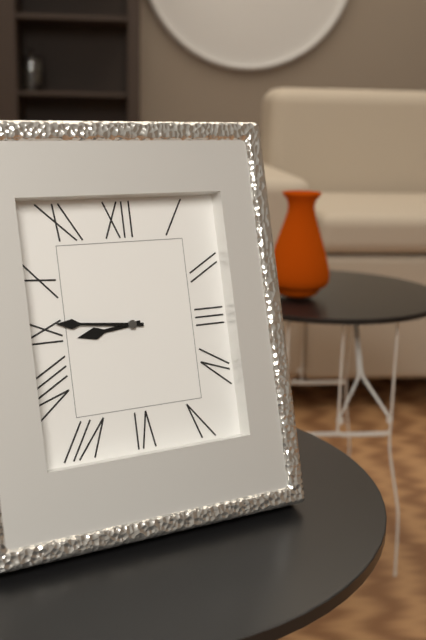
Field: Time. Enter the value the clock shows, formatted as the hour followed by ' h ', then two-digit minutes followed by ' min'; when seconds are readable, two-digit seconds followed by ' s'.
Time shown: 8 h 46 min
